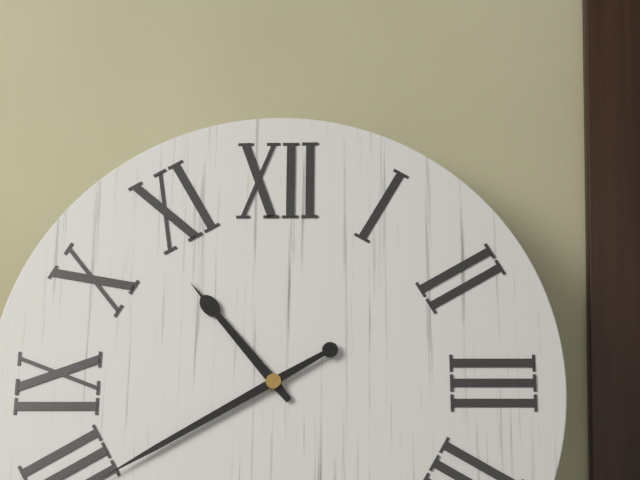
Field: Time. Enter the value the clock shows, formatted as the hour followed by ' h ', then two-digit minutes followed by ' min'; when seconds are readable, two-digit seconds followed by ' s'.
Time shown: 10 h 40 min
